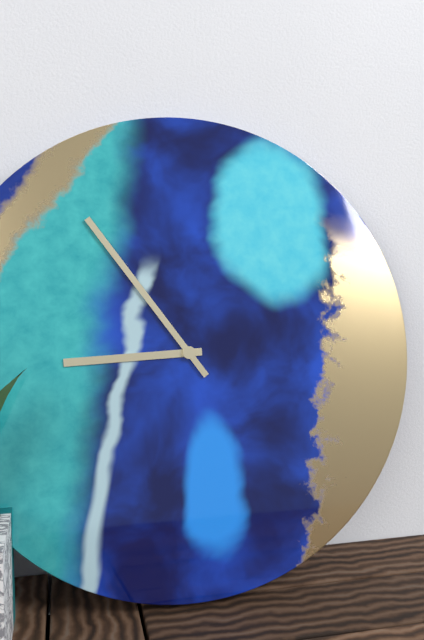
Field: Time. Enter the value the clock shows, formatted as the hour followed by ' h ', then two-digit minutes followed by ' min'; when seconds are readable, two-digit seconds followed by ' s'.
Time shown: 8 h 54 min
